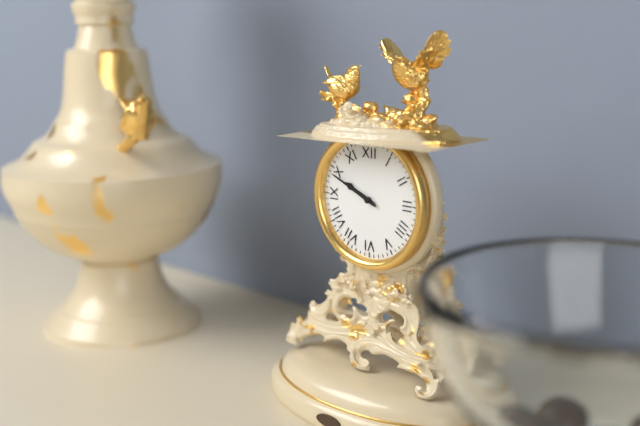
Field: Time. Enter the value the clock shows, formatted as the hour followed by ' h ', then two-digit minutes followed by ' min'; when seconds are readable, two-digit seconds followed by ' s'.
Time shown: 9 h 49 min
